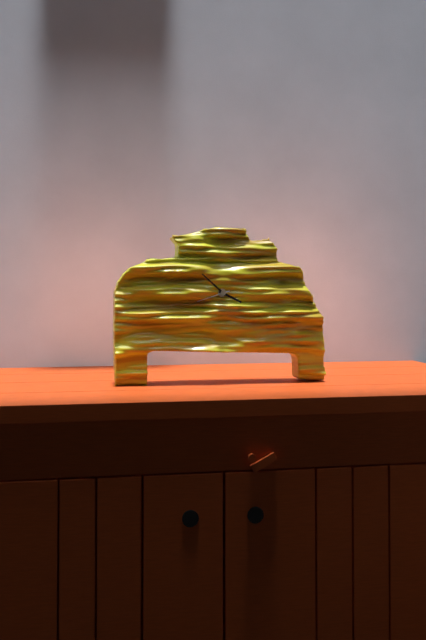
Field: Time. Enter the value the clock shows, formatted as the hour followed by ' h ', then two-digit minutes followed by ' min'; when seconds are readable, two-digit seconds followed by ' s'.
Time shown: 3 h 52 min
